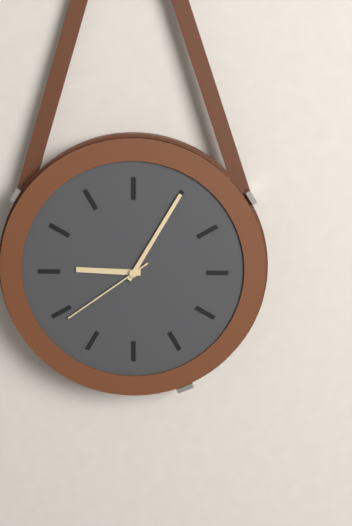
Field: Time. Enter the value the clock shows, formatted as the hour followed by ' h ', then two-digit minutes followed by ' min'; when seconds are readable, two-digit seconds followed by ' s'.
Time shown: 9 h 05 min 39 s
